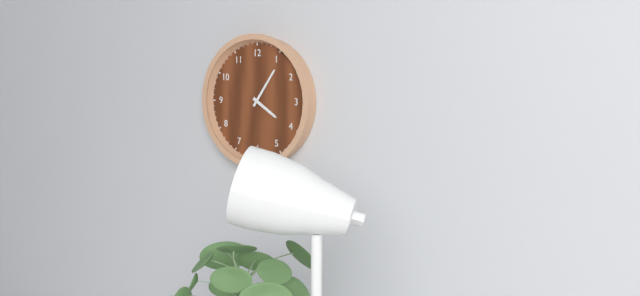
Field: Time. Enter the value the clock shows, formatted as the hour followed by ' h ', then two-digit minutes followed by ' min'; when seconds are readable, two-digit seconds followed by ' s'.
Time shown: 4 h 06 min
